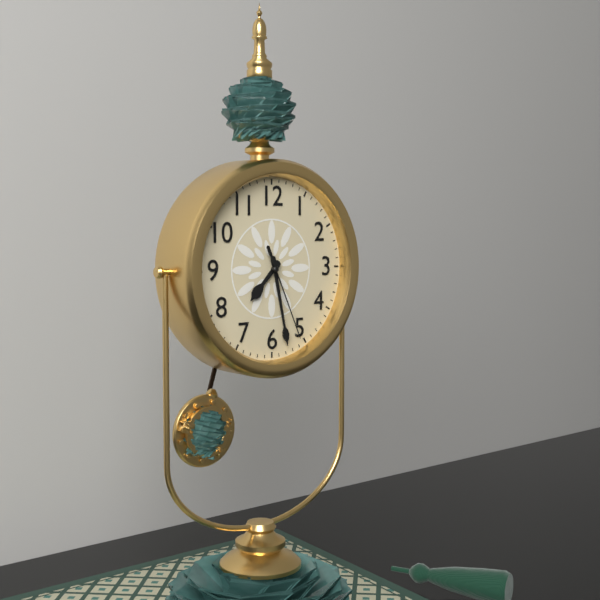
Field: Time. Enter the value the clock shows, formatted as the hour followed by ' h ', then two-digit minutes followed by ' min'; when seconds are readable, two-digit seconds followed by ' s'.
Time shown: 7 h 28 min 26 s
